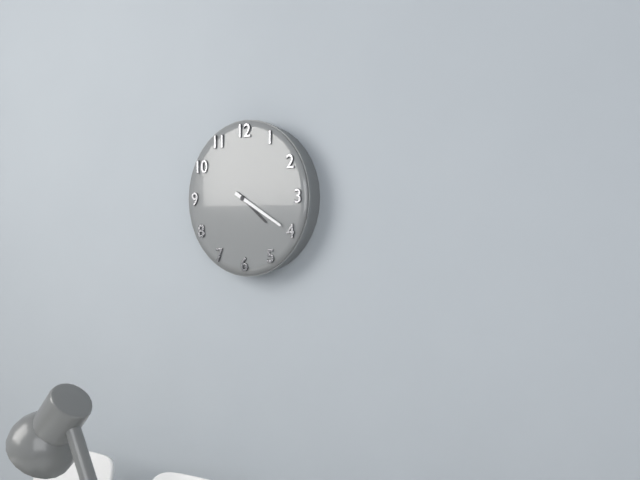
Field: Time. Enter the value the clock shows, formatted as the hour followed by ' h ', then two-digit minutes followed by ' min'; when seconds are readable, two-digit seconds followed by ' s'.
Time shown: 4 h 20 min
